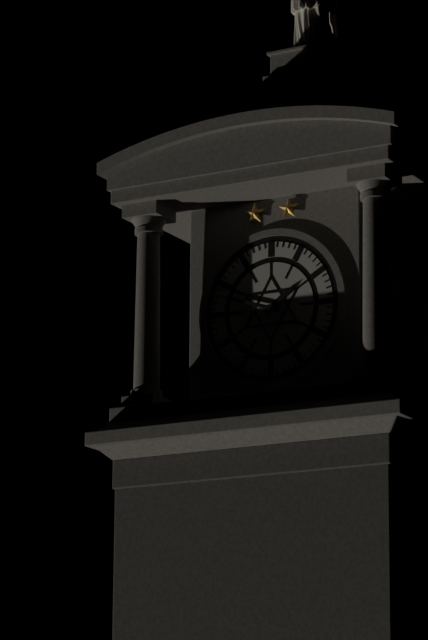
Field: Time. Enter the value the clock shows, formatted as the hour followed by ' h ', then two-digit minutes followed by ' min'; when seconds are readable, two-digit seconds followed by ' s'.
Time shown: 1 h 48 min
